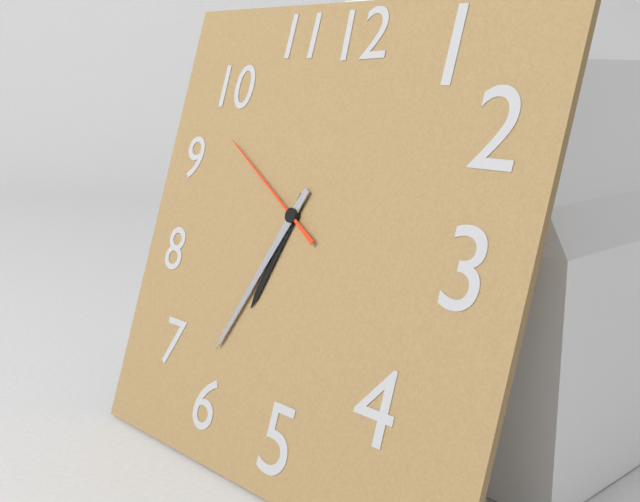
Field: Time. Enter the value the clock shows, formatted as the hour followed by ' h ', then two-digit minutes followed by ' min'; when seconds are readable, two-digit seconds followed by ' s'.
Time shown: 6 h 34 min 50 s
